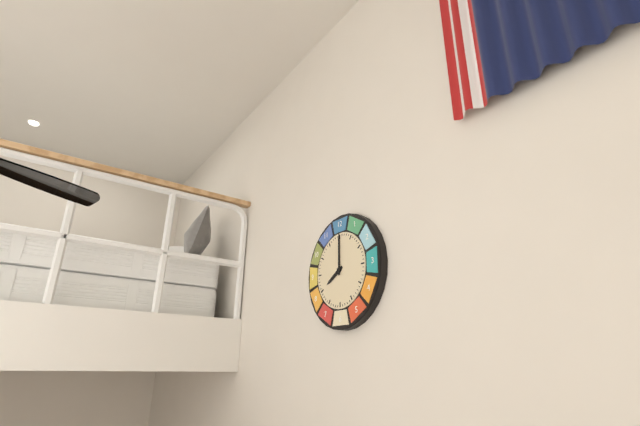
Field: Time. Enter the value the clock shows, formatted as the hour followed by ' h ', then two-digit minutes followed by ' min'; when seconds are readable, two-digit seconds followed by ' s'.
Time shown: 8 h 00 min
